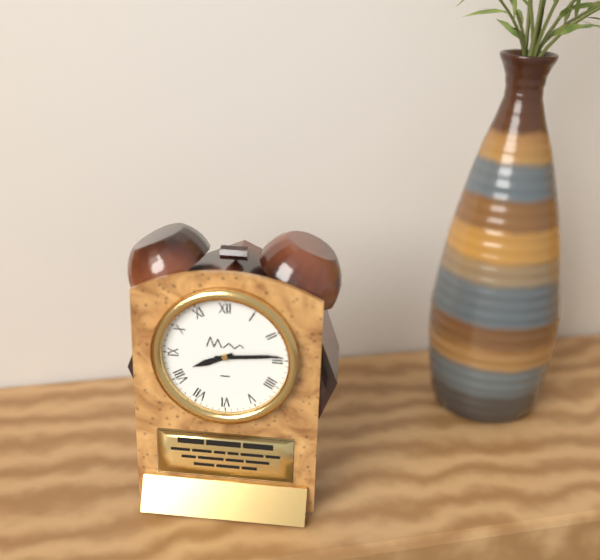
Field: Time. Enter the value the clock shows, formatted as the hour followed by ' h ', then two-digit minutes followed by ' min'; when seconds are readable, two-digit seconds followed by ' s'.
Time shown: 8 h 14 min
